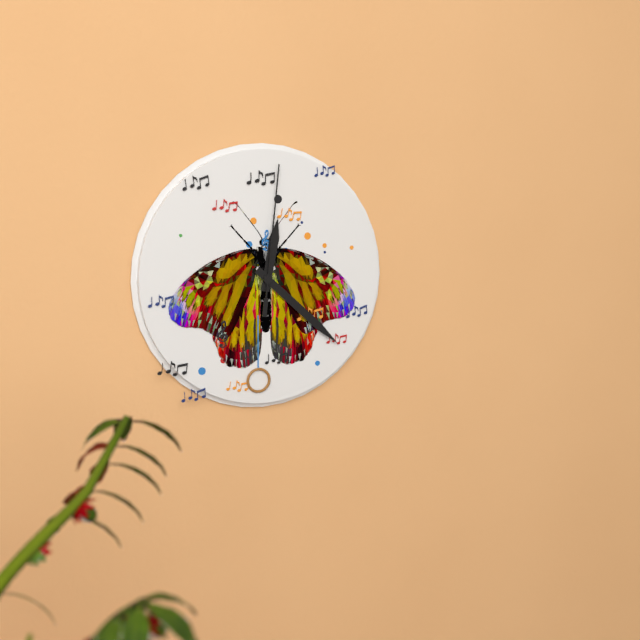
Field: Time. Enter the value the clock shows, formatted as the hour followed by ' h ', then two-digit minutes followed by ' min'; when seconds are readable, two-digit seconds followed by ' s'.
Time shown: 12 h 22 min 01 s
